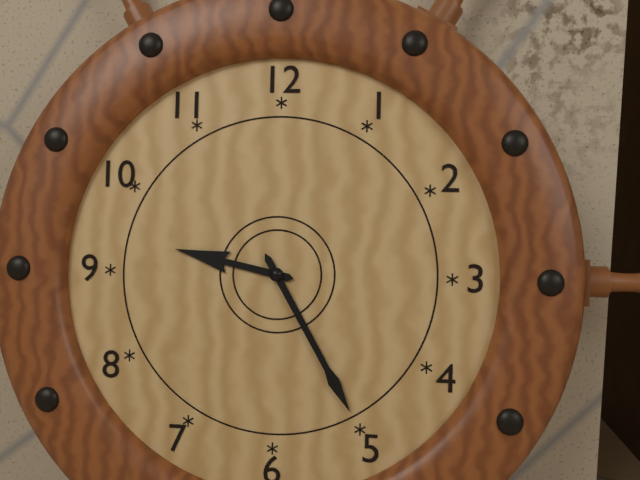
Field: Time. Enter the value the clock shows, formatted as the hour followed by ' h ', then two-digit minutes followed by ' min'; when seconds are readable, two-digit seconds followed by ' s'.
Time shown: 9 h 25 min
